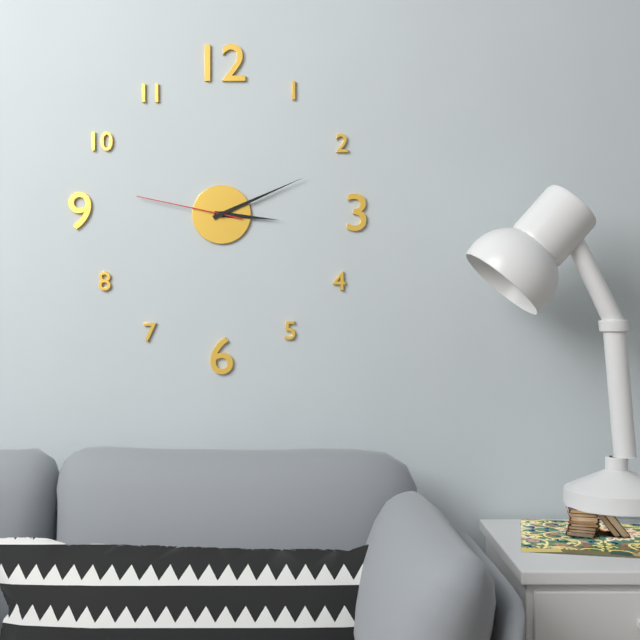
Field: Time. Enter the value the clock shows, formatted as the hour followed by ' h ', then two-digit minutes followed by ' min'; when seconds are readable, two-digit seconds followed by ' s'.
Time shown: 3 h 11 min 47 s
